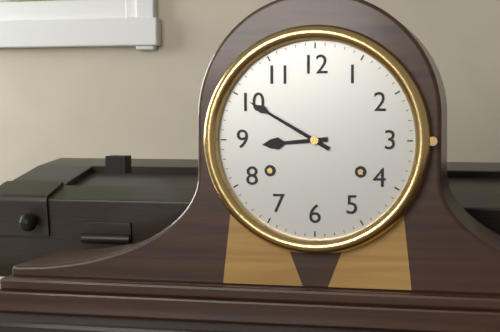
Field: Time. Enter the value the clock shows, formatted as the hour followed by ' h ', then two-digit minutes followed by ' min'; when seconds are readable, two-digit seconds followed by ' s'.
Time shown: 8 h 50 min
